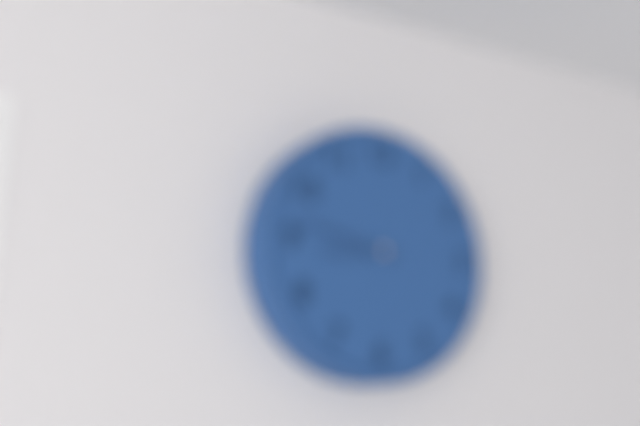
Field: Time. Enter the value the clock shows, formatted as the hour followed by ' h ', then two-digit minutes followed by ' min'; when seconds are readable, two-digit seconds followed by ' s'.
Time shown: 8 h 47 min
